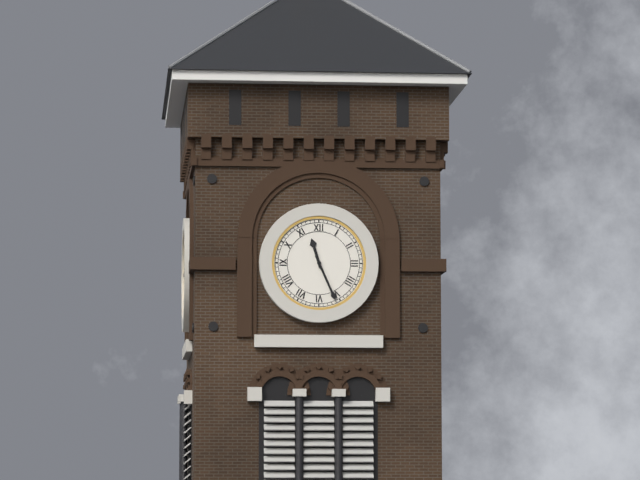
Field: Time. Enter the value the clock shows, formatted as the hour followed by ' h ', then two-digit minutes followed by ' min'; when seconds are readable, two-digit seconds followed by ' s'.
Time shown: 11 h 26 min
